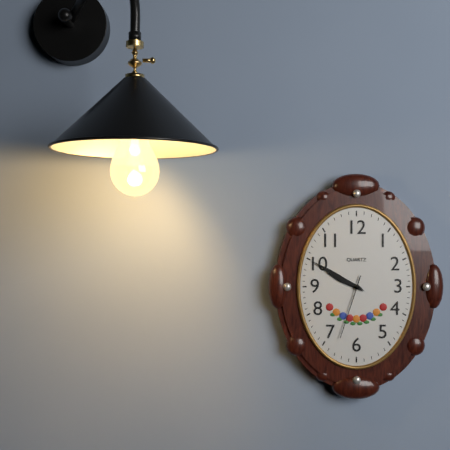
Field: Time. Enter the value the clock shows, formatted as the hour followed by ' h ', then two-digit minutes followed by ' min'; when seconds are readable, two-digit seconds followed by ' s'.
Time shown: 9 h 50 min 33 s
